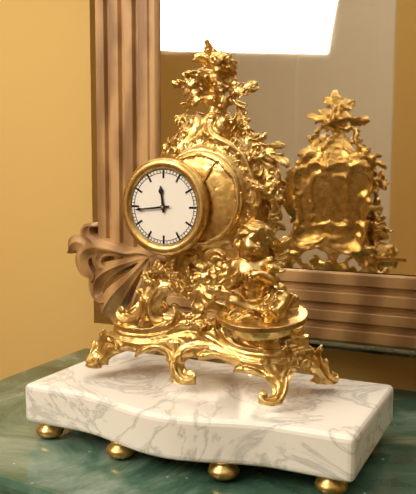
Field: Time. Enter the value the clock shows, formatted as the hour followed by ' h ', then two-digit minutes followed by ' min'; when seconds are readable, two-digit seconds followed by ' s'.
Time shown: 11 h 44 min
